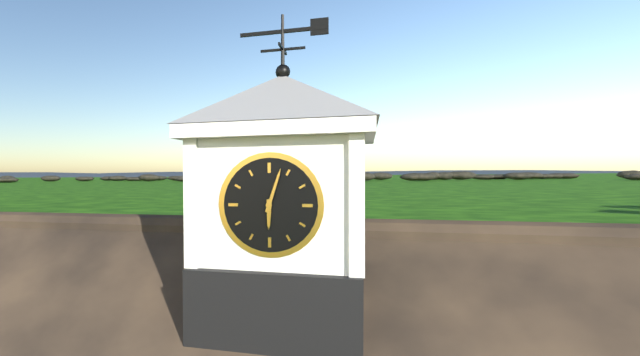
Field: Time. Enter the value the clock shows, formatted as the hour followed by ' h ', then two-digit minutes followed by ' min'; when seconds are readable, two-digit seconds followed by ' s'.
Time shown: 6 h 03 min
